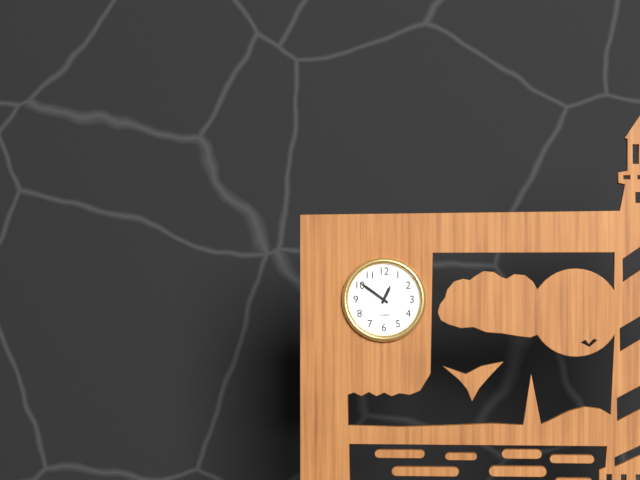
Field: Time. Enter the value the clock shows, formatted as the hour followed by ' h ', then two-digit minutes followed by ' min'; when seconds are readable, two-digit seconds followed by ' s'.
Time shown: 12 h 51 min
